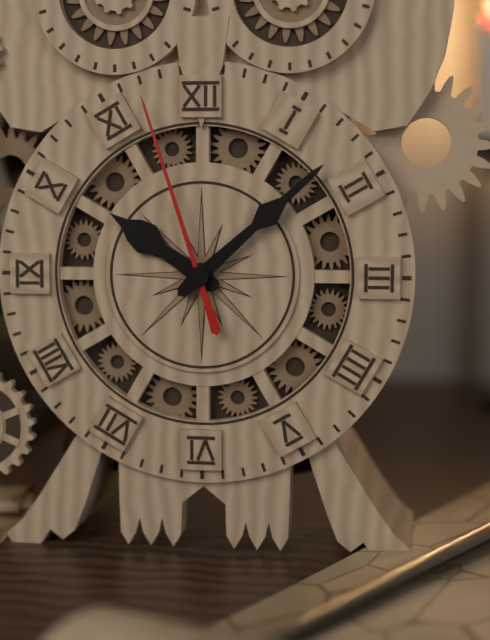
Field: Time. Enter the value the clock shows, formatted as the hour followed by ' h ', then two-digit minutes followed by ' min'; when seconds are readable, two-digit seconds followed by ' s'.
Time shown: 10 h 08 min 57 s
